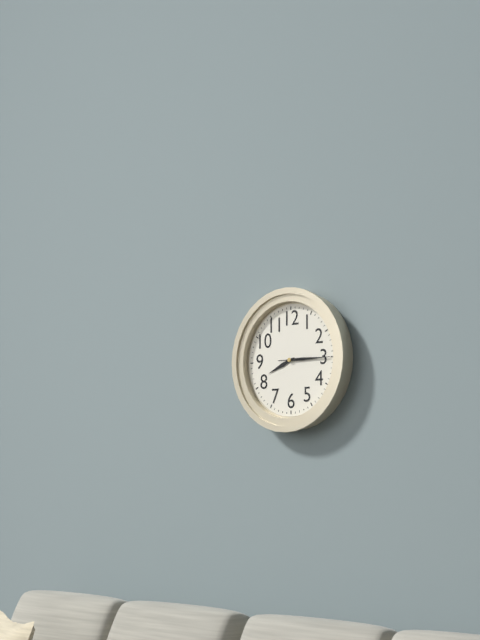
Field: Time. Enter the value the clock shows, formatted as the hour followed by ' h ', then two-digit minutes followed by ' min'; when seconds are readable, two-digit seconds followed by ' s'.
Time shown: 8 h 15 min 15 s
